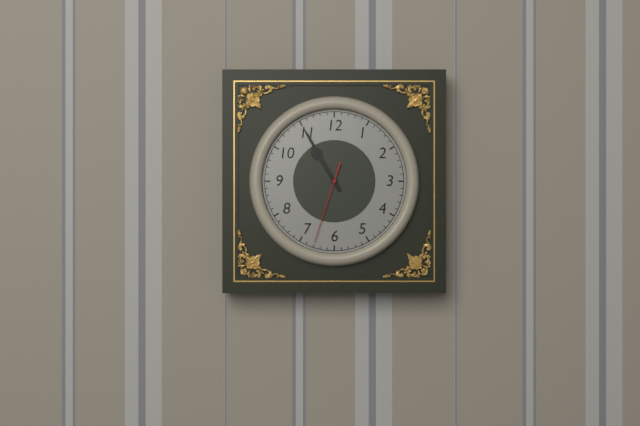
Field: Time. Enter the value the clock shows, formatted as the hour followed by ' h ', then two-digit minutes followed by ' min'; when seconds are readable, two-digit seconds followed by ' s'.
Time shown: 10 h 55 min 33 s
